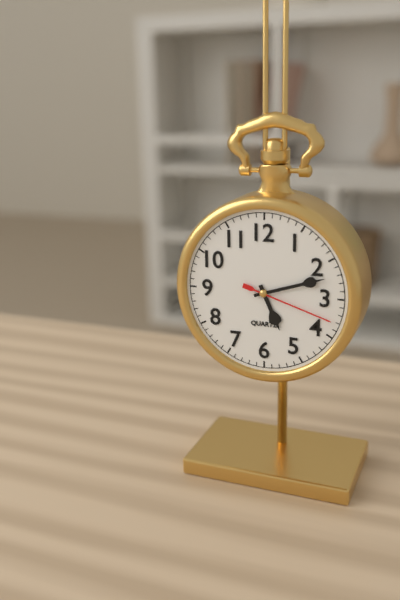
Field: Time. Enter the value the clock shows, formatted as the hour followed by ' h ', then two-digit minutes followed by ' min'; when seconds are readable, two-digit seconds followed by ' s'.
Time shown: 5 h 12 min 18 s
